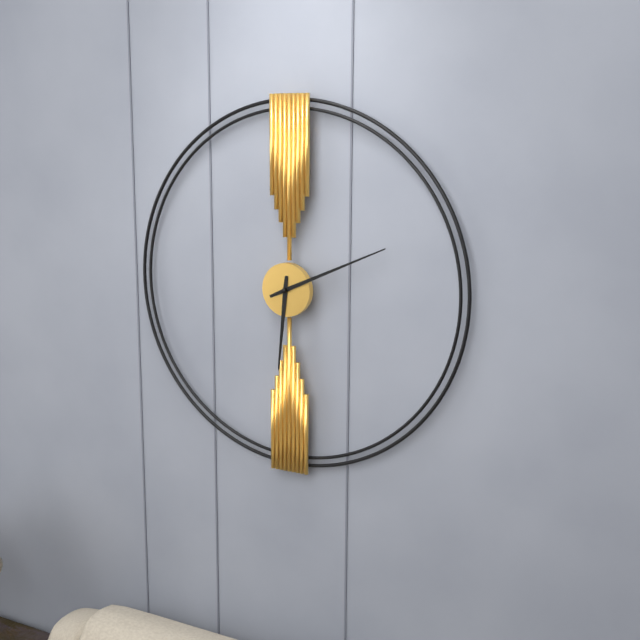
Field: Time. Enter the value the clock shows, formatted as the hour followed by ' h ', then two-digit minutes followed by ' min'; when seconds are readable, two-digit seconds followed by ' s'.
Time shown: 6 h 11 min
